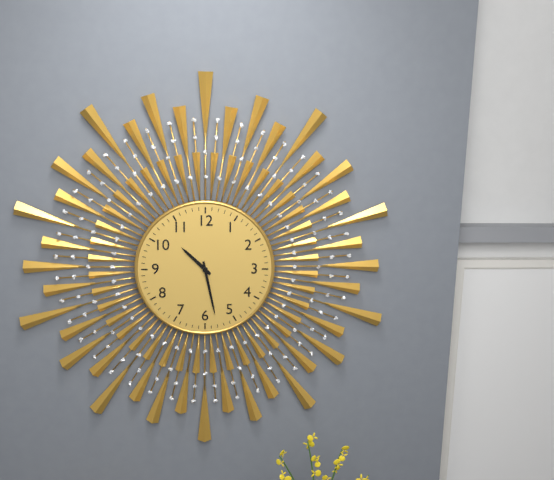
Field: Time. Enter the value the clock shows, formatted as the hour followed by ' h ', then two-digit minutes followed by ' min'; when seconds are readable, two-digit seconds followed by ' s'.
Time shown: 10 h 28 min
